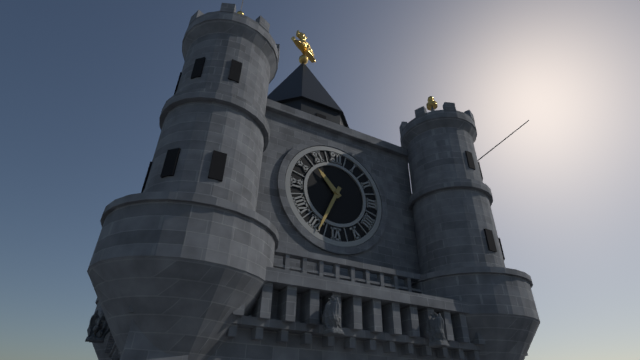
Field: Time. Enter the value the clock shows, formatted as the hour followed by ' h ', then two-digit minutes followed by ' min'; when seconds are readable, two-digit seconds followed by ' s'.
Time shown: 10 h 34 min
